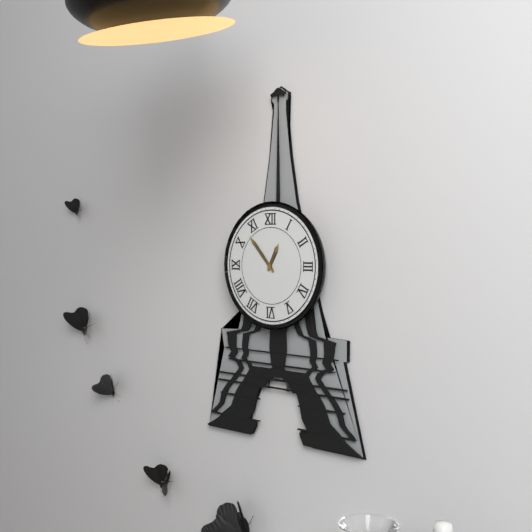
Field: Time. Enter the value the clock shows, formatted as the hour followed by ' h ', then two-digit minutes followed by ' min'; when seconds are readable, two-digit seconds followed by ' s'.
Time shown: 12 h 53 min
